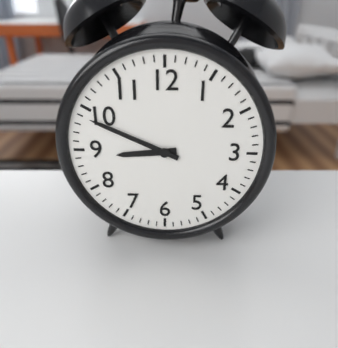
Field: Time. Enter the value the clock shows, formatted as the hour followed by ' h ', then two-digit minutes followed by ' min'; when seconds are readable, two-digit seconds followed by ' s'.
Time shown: 8 h 49 min
